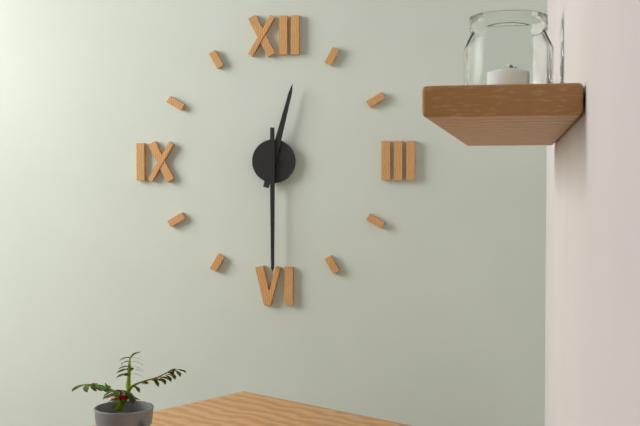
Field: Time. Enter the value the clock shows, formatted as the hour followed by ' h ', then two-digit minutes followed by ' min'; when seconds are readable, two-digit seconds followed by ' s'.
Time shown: 12 h 30 min
